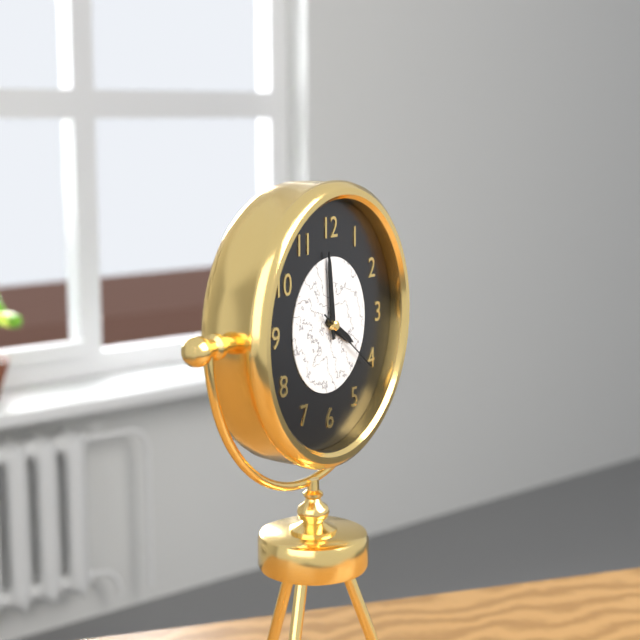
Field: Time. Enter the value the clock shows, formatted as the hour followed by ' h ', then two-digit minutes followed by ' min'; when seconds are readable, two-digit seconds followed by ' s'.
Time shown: 3 h 59 min 21 s
